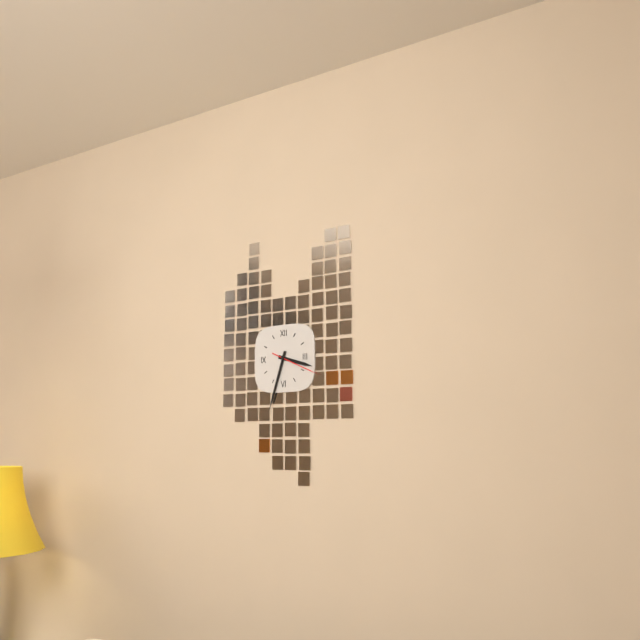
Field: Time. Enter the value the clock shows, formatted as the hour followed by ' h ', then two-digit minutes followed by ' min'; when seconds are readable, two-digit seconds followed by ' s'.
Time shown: 3 h 33 min
